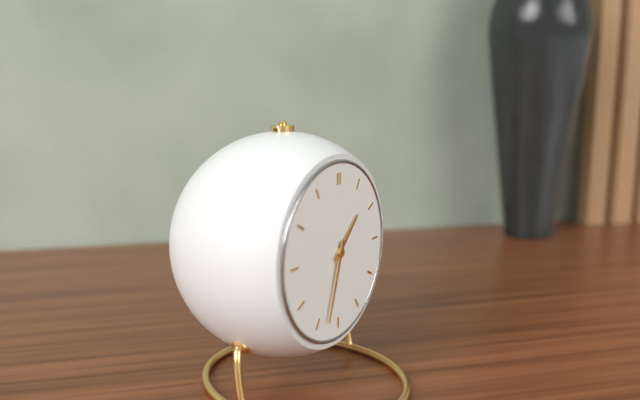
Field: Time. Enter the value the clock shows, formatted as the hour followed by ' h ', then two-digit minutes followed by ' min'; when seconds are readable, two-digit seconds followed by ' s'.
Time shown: 1 h 33 min
